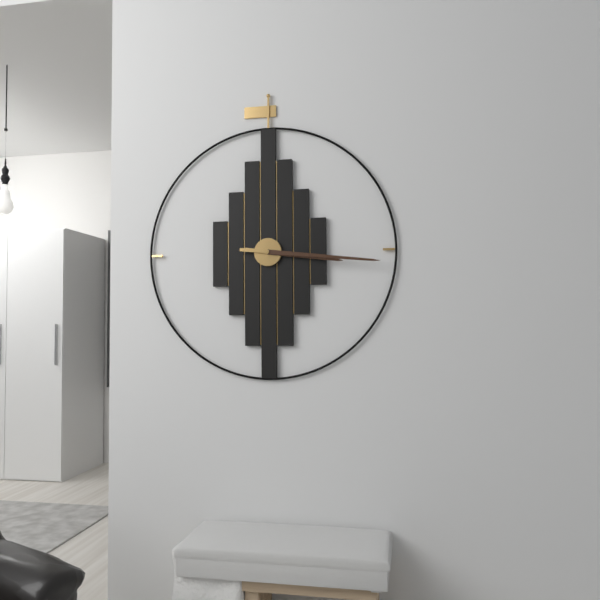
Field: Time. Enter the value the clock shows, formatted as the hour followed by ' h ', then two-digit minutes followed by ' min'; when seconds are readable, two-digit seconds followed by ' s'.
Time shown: 3 h 16 min
